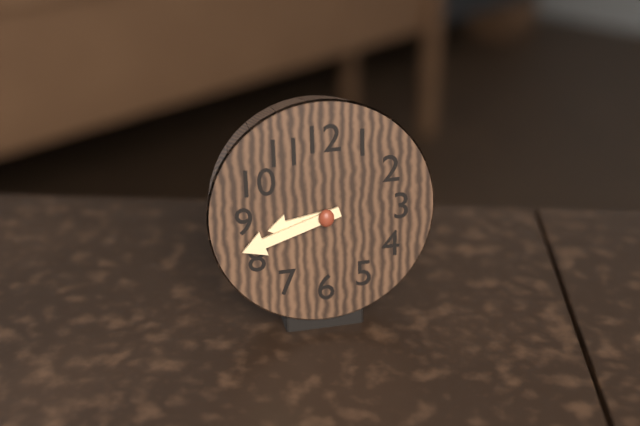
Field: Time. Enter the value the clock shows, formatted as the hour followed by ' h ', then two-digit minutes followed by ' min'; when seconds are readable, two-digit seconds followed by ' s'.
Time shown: 8 h 42 min
